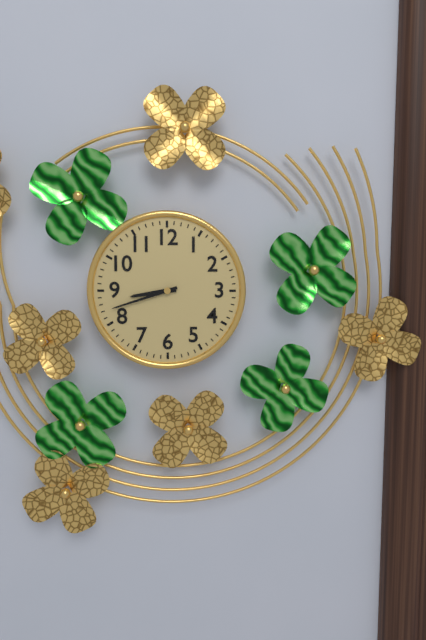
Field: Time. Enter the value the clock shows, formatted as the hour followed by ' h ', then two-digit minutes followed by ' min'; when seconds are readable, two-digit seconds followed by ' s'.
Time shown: 8 h 42 min
